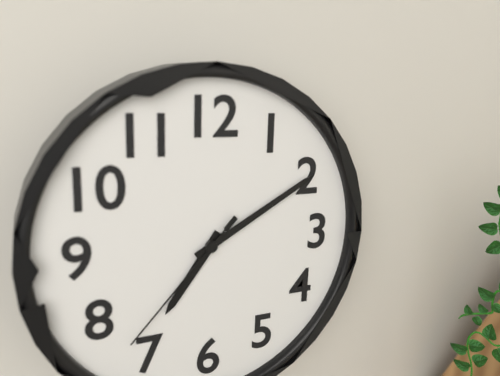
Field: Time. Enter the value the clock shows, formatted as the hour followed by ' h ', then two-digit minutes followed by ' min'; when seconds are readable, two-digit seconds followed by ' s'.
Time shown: 7 h 10 min 37 s
